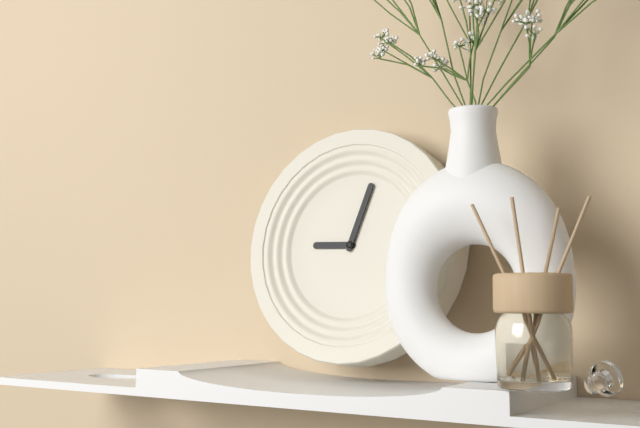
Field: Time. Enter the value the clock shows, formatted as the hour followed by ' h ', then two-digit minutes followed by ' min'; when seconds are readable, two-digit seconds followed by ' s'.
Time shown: 9 h 03 min
